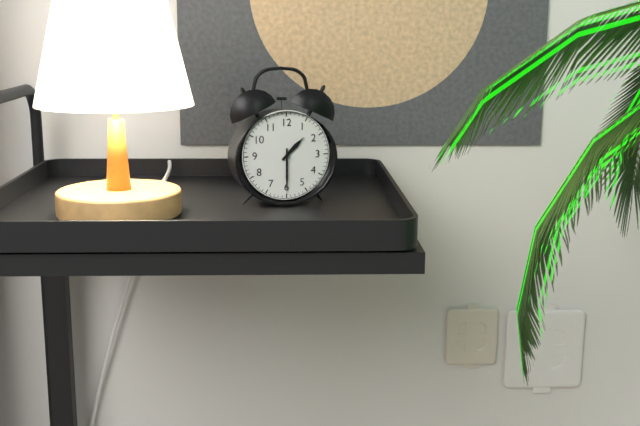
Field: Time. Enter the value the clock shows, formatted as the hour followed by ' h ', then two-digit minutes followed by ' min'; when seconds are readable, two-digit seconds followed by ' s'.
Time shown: 1 h 30 min
